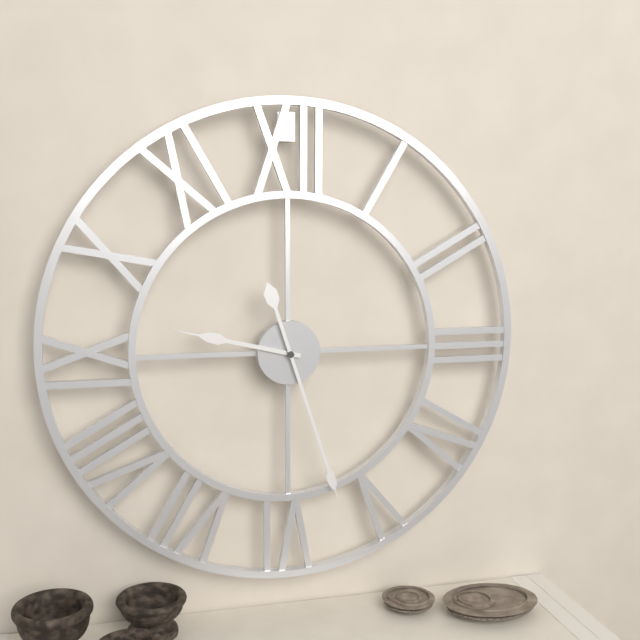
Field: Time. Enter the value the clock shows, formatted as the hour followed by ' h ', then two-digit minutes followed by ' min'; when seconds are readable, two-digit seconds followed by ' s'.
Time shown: 9 h 27 min
